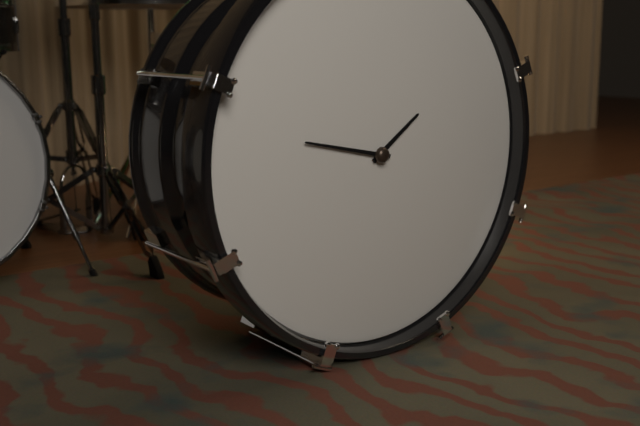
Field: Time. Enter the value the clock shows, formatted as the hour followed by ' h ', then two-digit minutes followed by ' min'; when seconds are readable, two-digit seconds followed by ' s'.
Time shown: 1 h 47 min
